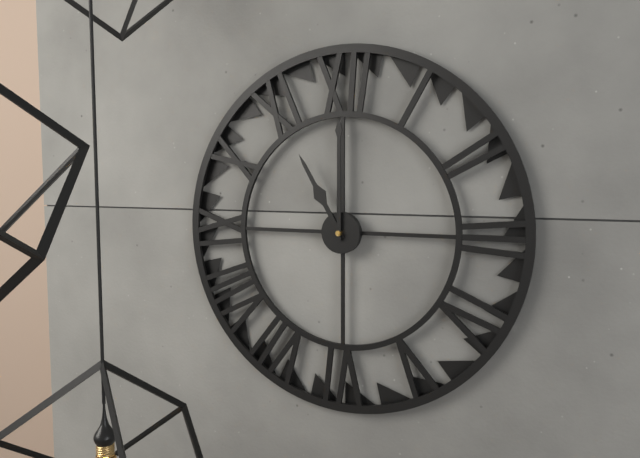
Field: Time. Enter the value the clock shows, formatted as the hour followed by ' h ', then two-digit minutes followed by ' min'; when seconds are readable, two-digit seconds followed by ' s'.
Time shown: 11 h 00 min
